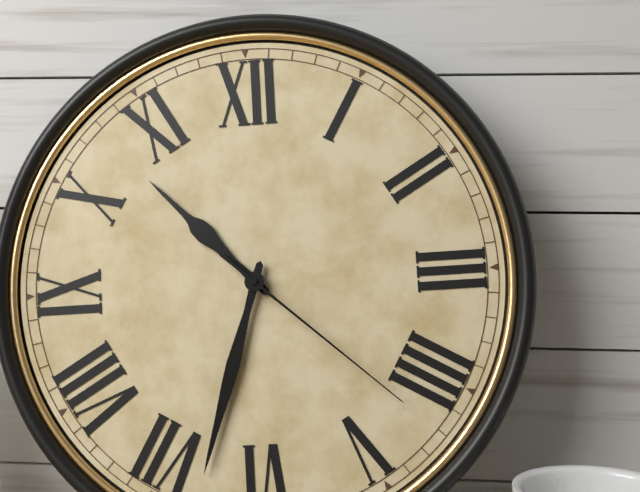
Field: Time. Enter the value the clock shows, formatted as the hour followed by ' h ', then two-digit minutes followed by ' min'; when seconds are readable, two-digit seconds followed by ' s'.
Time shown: 10 h 33 min 22 s
